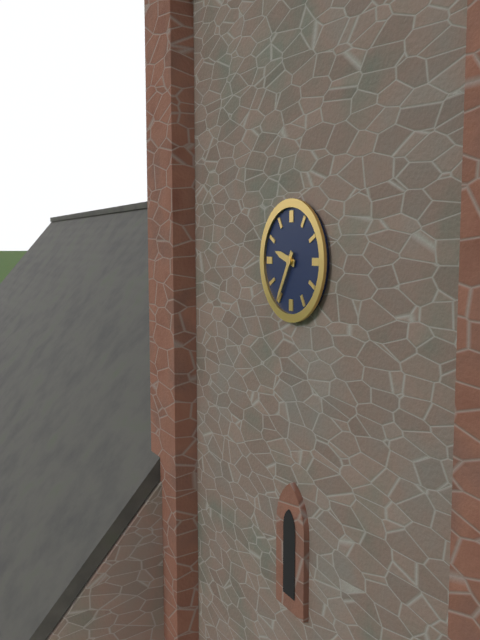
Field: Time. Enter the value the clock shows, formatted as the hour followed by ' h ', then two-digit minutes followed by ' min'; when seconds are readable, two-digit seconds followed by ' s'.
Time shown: 9 h 35 min
